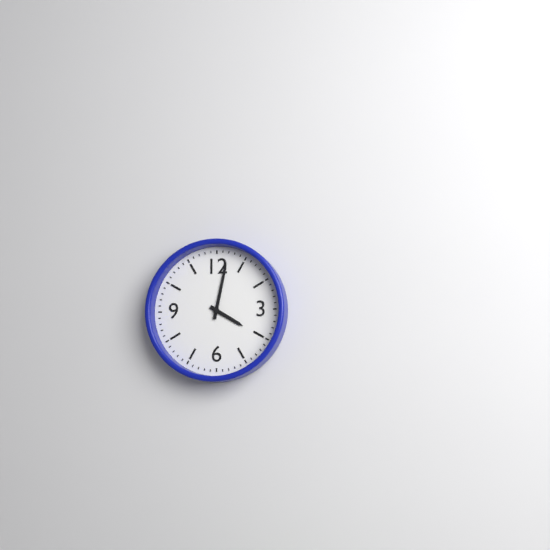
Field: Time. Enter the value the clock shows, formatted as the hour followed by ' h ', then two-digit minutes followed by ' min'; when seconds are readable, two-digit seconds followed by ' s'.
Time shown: 4 h 02 min
